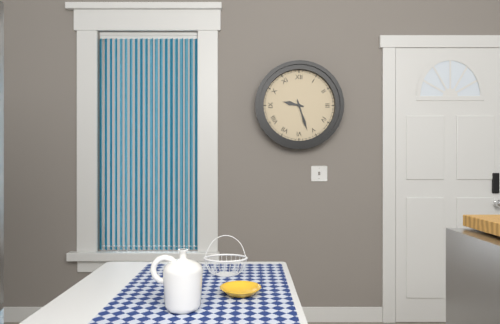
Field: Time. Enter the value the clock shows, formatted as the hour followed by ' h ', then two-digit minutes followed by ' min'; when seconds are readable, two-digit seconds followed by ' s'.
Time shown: 9 h 27 min
